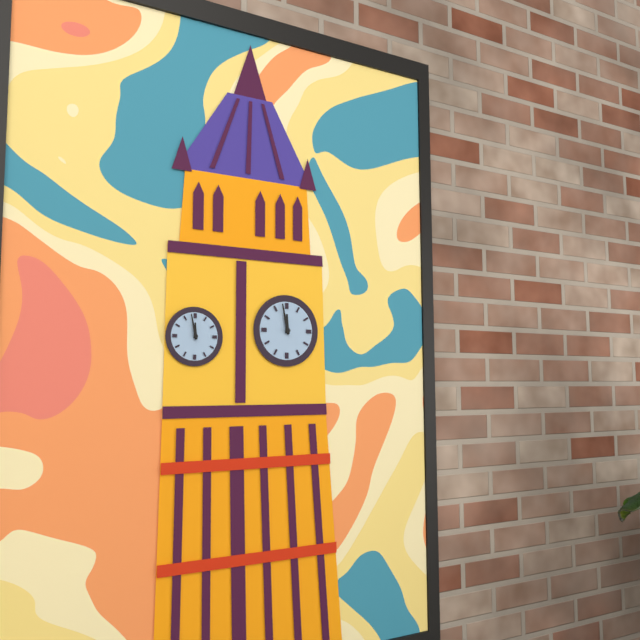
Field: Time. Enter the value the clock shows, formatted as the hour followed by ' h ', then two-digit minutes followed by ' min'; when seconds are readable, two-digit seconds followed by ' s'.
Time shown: 11 h 58 min
